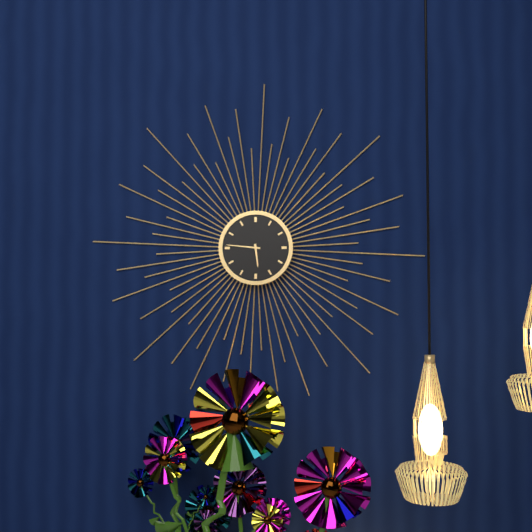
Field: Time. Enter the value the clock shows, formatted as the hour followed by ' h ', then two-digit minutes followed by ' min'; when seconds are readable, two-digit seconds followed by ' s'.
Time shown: 5 h 46 min
